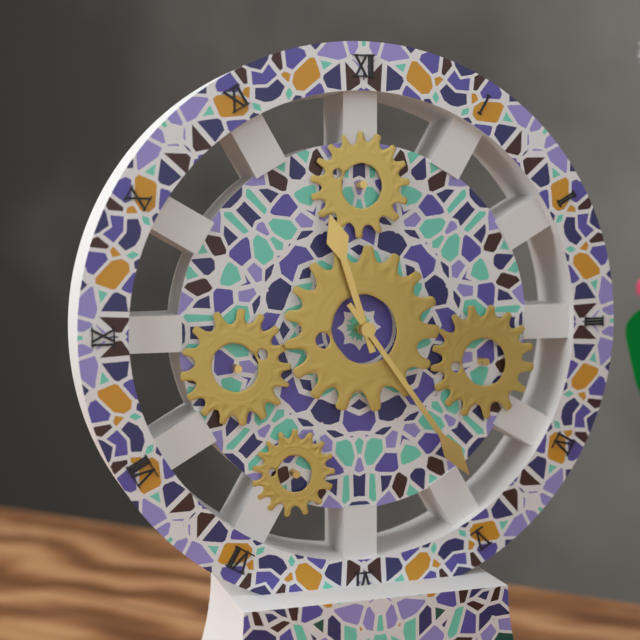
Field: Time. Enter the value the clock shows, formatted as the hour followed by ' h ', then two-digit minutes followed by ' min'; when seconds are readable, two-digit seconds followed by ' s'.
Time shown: 11 h 24 min
